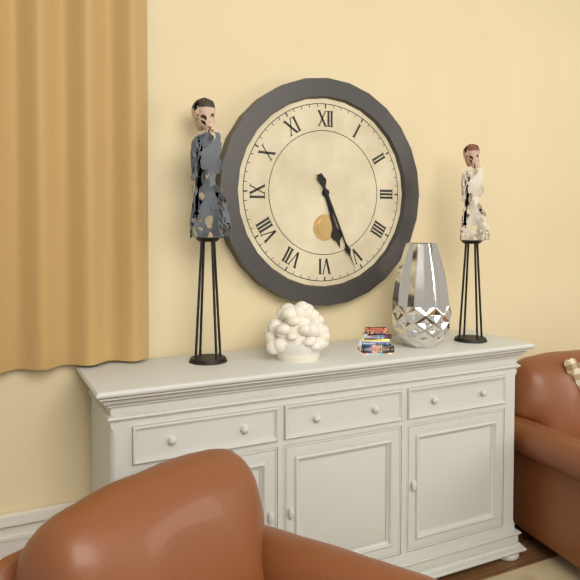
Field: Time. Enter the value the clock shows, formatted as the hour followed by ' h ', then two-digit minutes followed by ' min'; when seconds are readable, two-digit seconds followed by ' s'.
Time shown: 5 h 26 min
